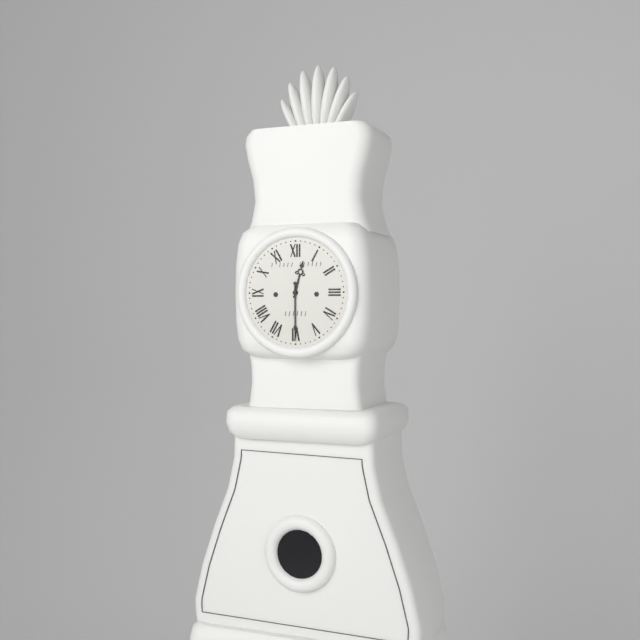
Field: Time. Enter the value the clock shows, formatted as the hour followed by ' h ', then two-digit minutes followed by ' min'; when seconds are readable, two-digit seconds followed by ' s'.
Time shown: 12 h 30 min
